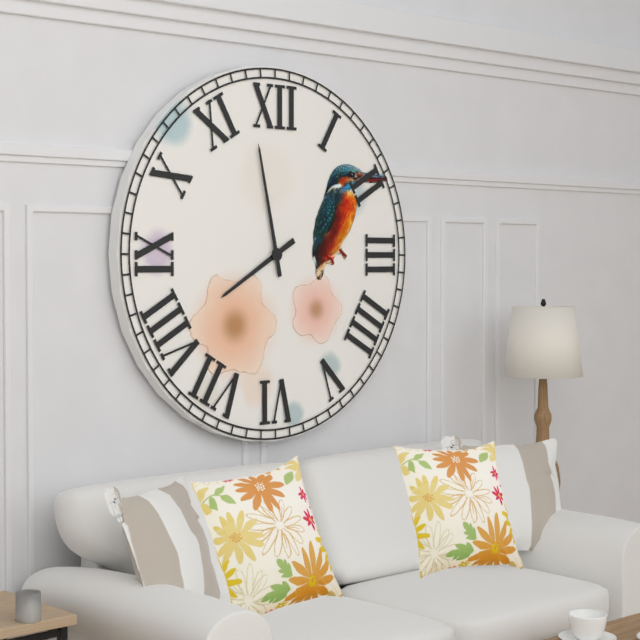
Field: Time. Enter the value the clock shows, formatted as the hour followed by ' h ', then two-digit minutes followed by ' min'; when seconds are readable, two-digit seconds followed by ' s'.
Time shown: 7 h 58 min
